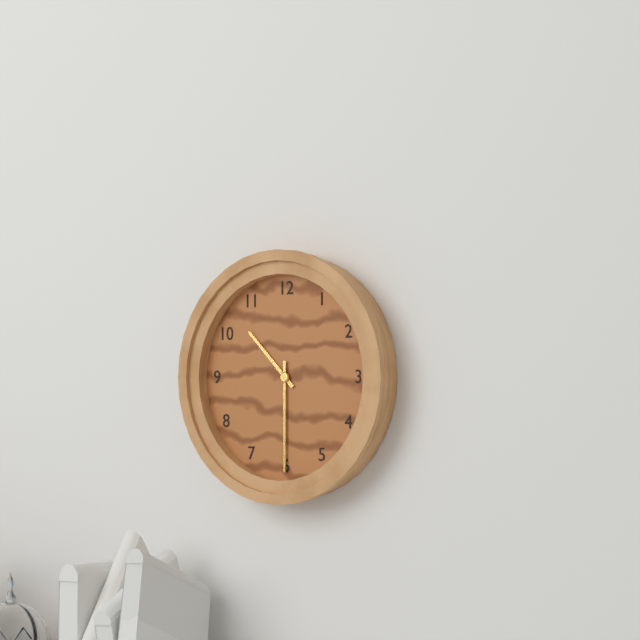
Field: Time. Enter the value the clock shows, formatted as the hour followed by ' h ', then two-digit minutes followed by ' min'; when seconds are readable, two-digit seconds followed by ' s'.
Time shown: 10 h 30 min
